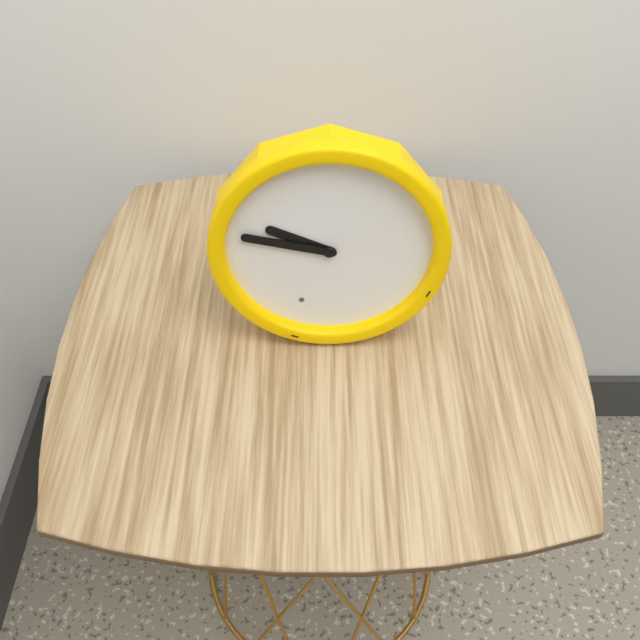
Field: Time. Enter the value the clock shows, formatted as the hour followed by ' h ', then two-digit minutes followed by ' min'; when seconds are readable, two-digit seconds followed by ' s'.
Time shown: 9 h 47 min
